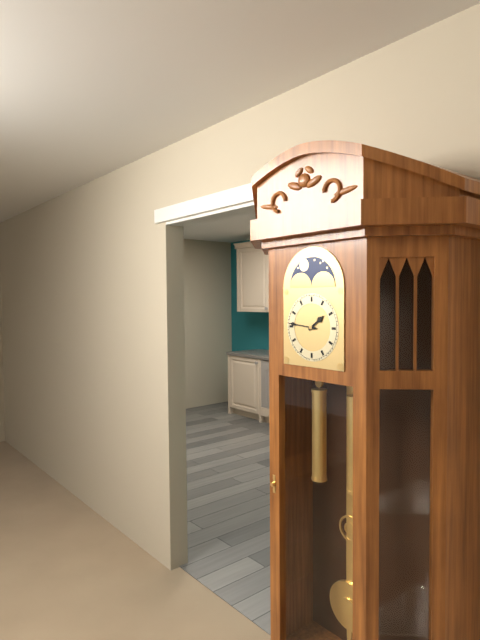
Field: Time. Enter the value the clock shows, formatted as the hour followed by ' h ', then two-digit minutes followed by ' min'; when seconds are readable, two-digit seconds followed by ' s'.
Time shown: 1 h 46 min
